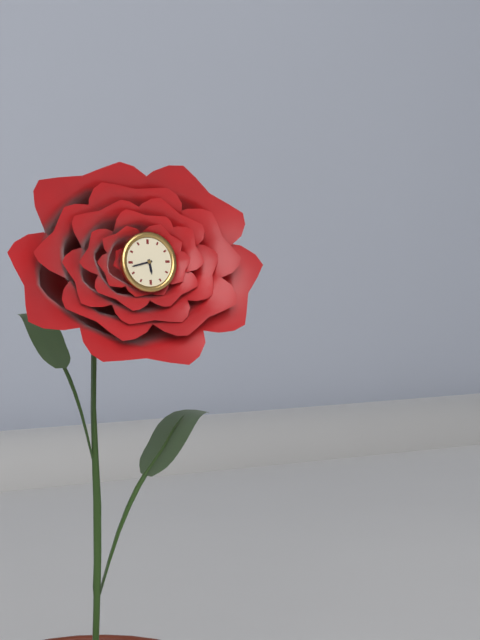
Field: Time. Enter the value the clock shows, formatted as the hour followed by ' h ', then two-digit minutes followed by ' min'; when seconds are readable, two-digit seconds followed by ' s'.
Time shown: 5 h 43 min
